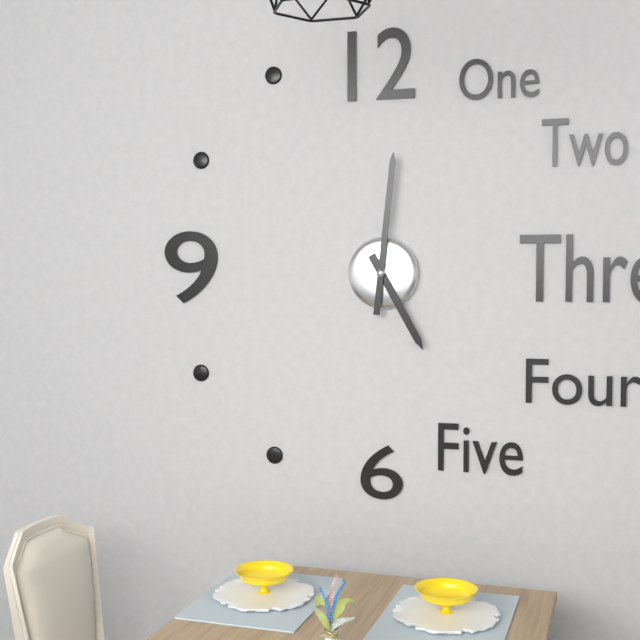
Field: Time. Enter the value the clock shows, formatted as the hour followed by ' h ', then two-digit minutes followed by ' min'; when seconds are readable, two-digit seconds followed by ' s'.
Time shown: 5 h 01 min
